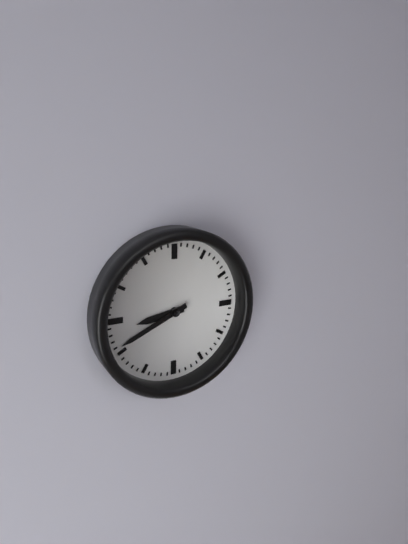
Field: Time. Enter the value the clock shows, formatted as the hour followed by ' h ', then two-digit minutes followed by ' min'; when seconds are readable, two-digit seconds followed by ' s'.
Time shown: 8 h 41 min
